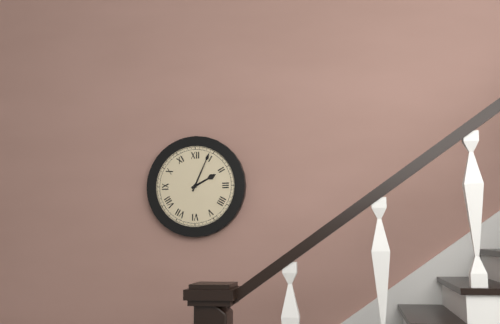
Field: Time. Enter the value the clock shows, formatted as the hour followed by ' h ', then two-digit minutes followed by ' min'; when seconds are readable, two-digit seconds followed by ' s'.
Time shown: 2 h 04 min
